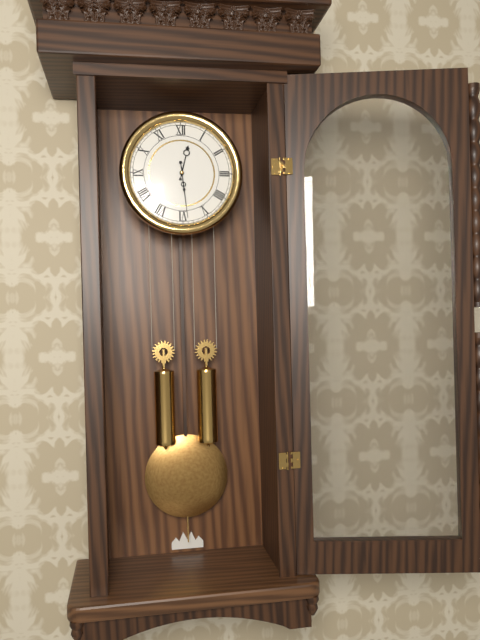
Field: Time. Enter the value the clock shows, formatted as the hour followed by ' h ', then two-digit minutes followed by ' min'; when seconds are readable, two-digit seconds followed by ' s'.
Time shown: 12 h 29 min
